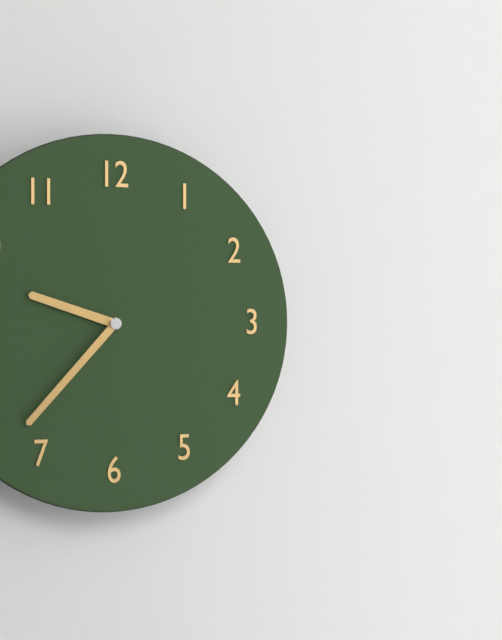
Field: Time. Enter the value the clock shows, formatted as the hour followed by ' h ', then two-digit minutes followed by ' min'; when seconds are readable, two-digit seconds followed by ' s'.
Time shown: 9 h 37 min
